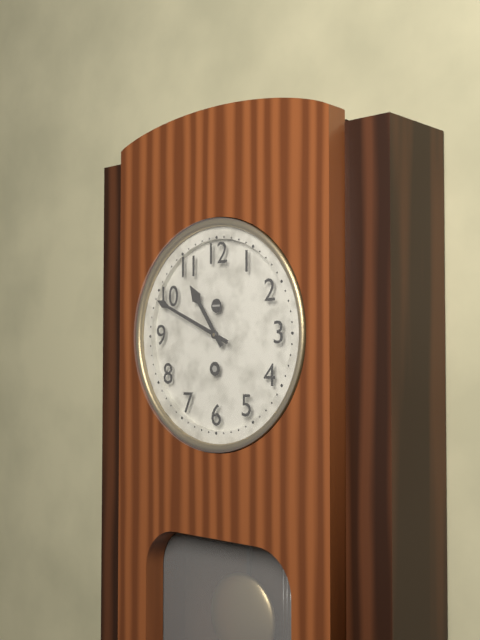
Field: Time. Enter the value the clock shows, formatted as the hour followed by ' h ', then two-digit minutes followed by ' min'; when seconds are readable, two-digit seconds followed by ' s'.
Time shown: 10 h 49 min
